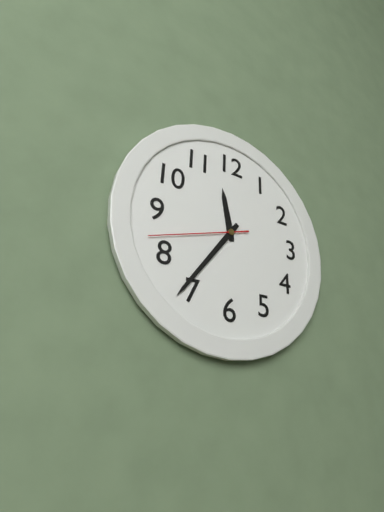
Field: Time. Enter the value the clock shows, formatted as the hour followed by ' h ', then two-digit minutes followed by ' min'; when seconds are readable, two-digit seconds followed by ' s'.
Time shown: 11 h 36 min 42 s
